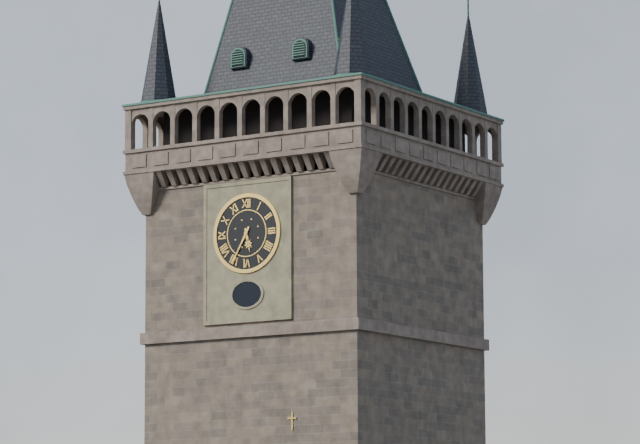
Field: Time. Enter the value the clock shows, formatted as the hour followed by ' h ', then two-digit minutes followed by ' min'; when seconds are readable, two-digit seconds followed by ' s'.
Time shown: 5 h 35 min
